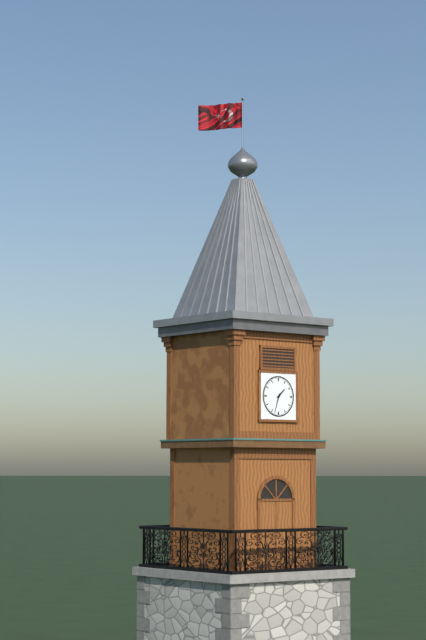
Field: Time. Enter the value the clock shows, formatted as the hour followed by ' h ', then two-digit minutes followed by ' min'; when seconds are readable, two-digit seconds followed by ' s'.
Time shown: 1 h 33 min
